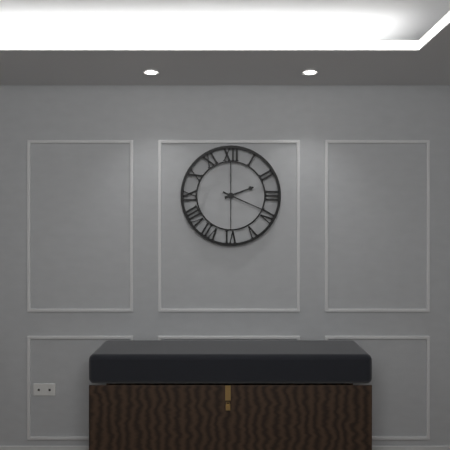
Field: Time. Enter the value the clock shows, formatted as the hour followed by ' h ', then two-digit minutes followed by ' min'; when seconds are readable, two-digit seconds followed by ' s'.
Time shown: 2 h 19 min
